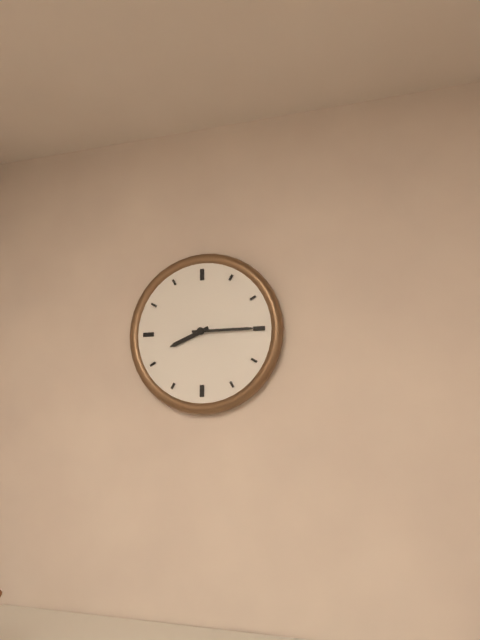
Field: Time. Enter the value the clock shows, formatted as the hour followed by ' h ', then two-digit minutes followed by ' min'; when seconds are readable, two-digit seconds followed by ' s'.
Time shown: 8 h 15 min
